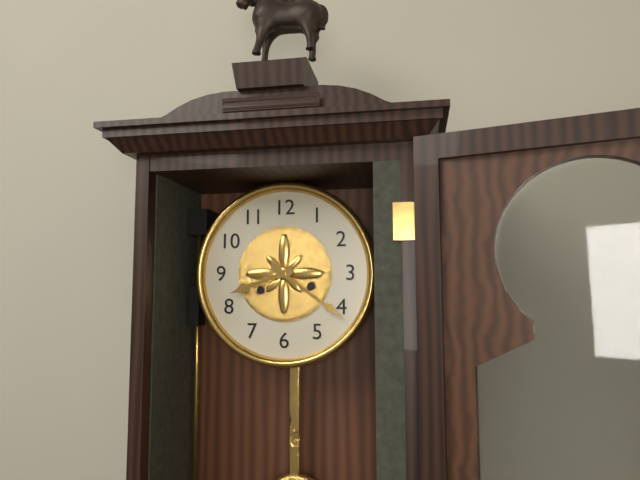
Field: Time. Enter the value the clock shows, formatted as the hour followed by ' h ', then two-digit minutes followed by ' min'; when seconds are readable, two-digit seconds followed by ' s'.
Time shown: 8 h 21 min
